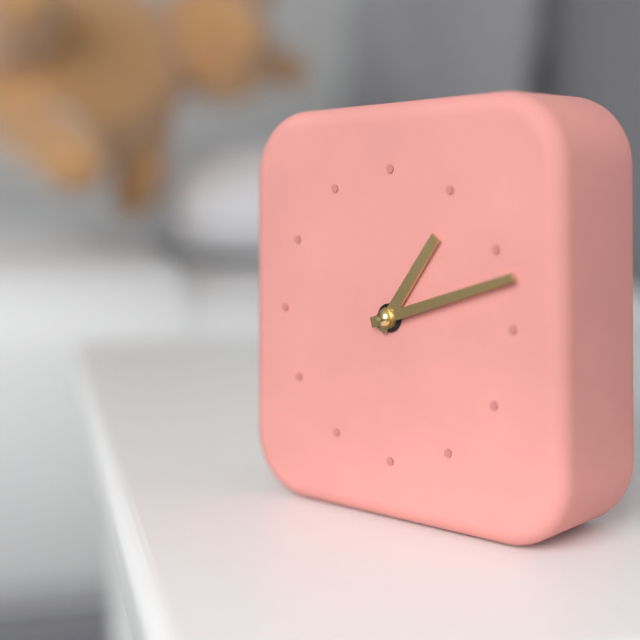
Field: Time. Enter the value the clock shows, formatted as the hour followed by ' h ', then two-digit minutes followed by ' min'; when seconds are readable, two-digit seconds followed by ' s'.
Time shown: 1 h 12 min
